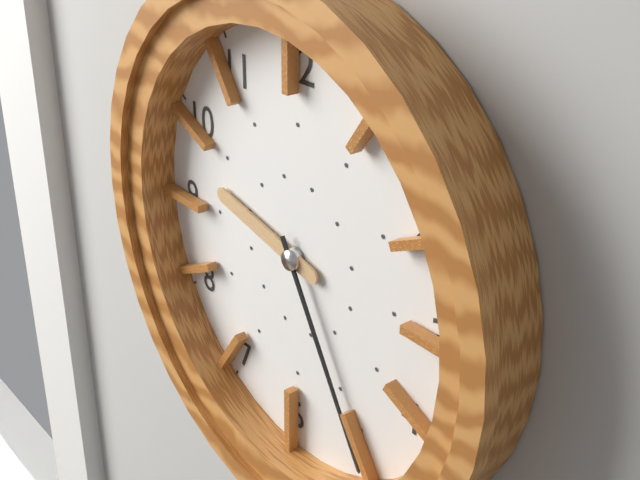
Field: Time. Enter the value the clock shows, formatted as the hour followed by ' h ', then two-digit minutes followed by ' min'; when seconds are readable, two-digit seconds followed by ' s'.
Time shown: 9 h 25 min
